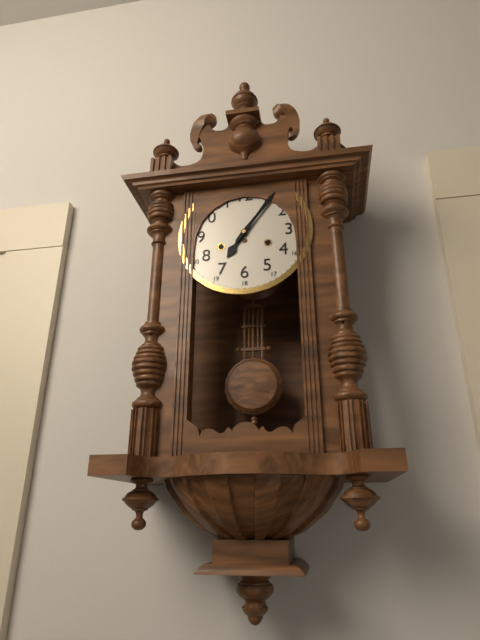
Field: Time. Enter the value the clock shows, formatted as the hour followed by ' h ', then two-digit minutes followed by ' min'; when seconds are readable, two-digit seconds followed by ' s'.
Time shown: 7 h 06 min
